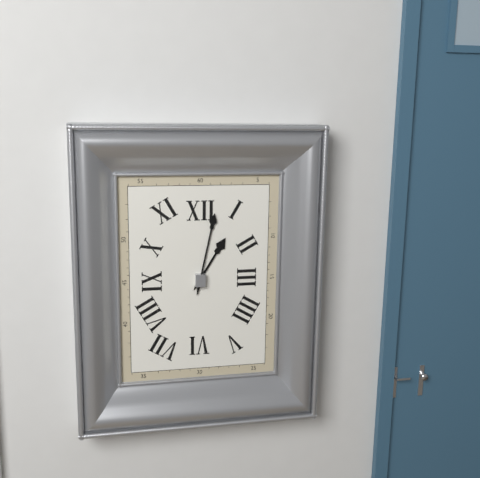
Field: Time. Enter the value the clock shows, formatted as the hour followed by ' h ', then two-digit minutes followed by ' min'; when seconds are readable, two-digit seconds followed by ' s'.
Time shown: 1 h 02 min
